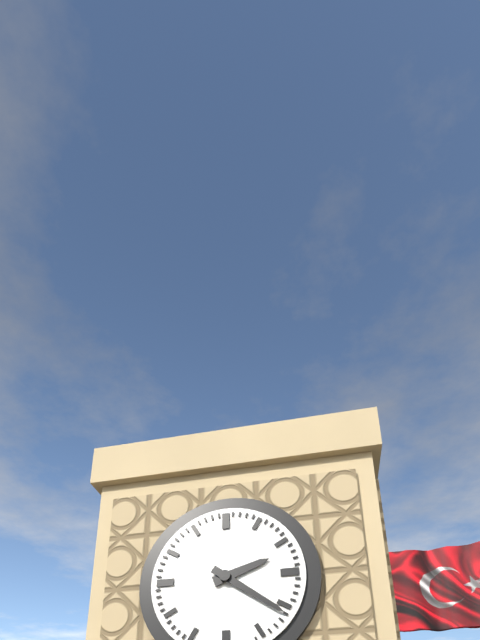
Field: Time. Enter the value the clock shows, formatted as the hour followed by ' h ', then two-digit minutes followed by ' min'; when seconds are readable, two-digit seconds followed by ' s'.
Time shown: 2 h 21 min
